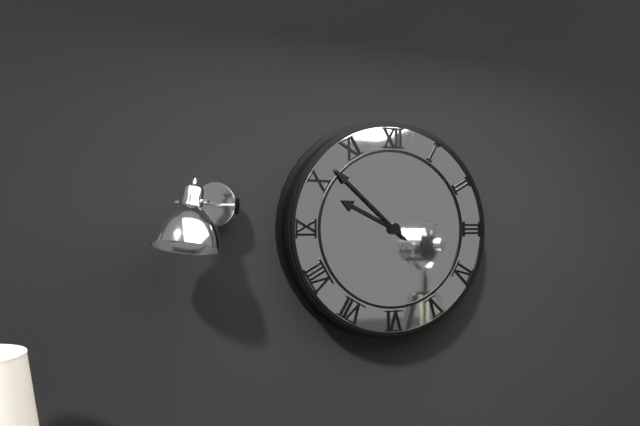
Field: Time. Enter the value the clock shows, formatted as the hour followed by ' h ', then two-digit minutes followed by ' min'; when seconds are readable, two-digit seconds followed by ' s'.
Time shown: 9 h 52 min
